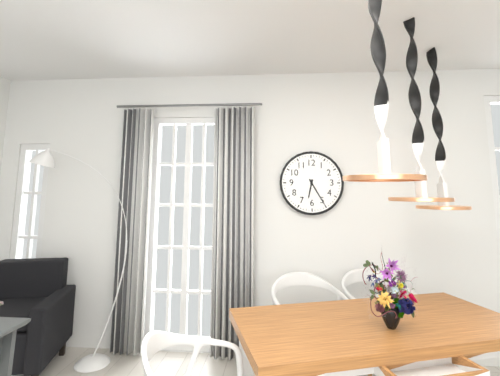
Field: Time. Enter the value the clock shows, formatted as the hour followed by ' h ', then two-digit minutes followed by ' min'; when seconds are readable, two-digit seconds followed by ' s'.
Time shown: 6 h 25 min
